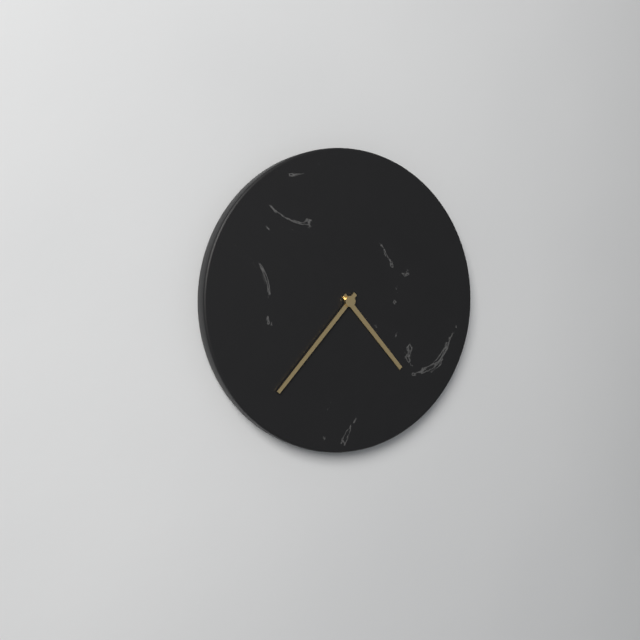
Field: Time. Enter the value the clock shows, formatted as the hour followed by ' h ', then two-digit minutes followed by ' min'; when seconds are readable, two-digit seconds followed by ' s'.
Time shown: 4 h 37 min
